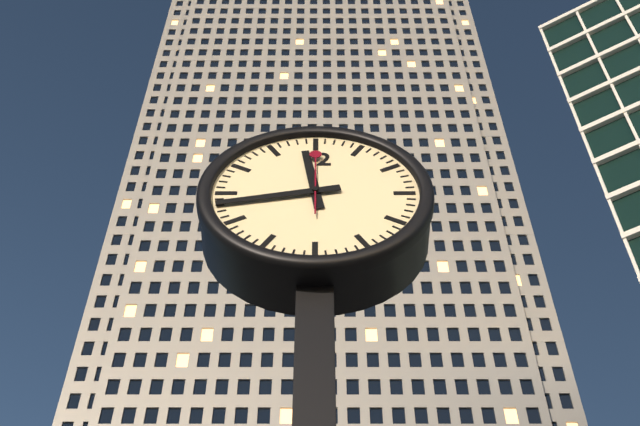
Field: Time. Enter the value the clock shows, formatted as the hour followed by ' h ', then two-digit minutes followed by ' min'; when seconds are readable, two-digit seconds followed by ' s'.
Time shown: 11 h 43 min 00 s
